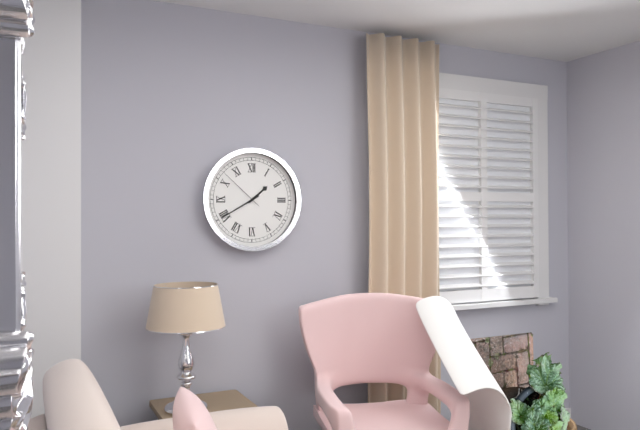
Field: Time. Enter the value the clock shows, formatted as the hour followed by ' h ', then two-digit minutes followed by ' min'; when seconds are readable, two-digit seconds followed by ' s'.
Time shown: 1 h 40 min
